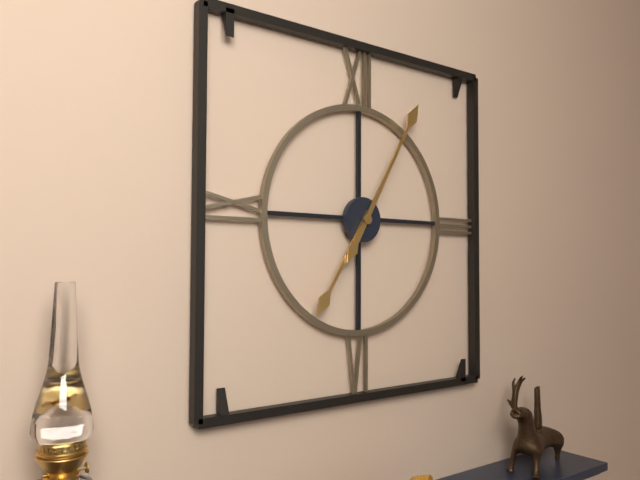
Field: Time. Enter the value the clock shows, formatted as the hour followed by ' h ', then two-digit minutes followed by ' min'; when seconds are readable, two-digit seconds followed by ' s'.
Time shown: 7 h 05 min
